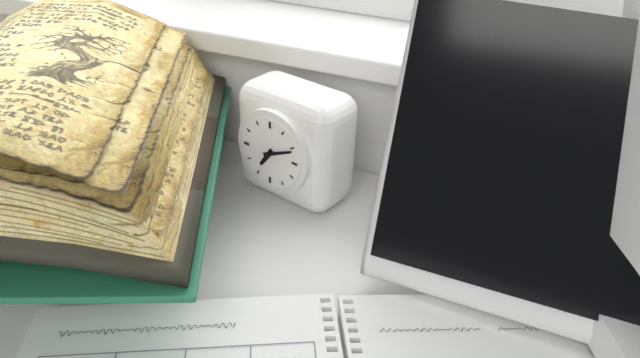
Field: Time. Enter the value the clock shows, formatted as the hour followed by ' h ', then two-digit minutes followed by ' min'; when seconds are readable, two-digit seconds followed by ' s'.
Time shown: 7 h 11 min
